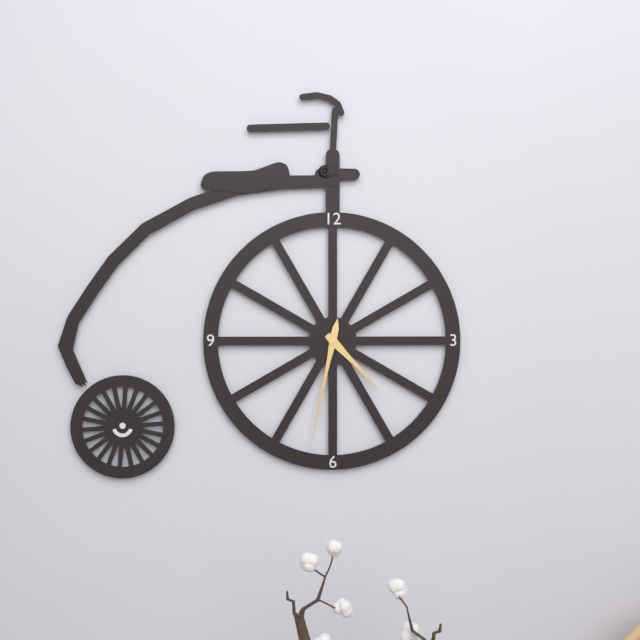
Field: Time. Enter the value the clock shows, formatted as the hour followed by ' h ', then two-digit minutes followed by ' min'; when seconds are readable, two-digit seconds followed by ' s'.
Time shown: 4 h 32 min
